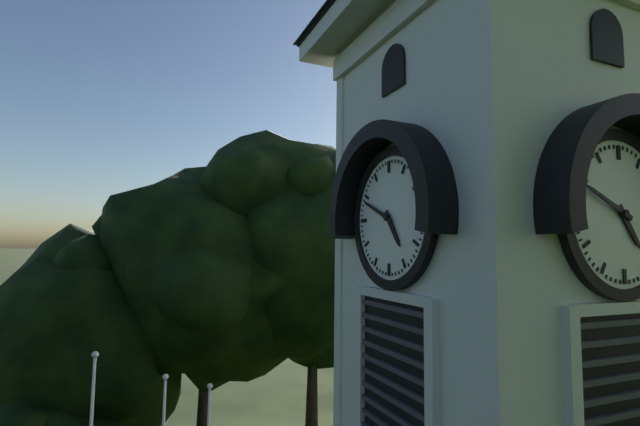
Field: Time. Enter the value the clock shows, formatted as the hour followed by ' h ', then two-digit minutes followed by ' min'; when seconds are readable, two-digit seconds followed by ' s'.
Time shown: 4 h 49 min
